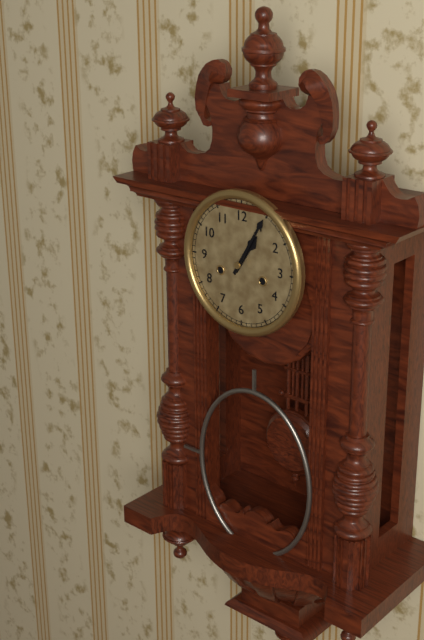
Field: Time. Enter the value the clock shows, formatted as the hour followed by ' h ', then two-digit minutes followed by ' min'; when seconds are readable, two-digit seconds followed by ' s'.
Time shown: 1 h 05 min
